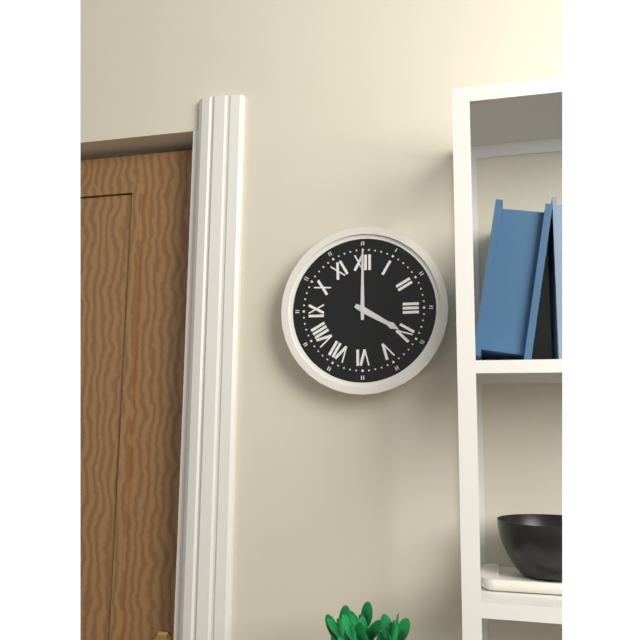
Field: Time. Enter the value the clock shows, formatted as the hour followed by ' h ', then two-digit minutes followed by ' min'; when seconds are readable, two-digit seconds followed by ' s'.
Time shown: 4 h 00 min
